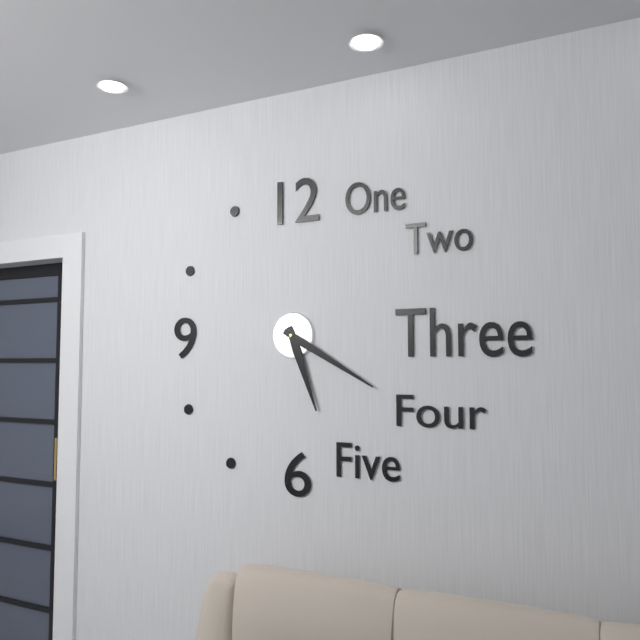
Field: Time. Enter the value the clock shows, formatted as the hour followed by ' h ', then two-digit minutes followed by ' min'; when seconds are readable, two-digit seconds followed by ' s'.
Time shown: 5 h 20 min
